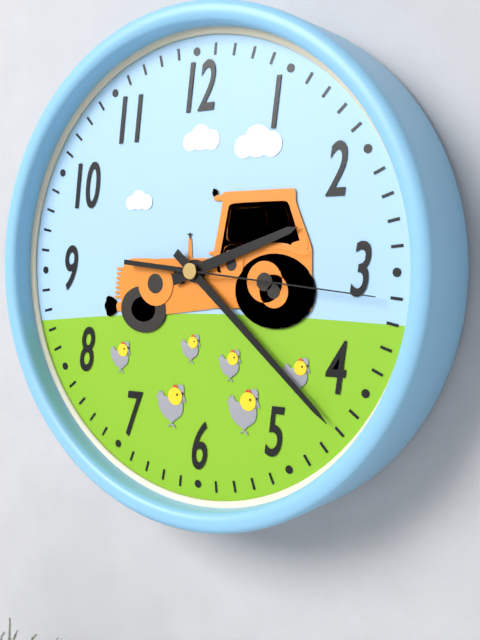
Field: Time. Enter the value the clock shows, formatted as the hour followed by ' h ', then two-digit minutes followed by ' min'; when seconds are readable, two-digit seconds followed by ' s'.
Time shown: 2 h 22 min 16 s
